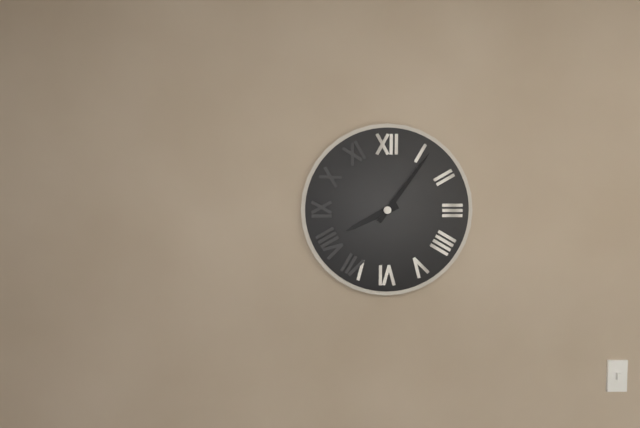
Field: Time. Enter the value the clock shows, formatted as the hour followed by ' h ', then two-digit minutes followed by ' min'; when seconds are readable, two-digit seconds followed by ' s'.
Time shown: 8 h 06 min
